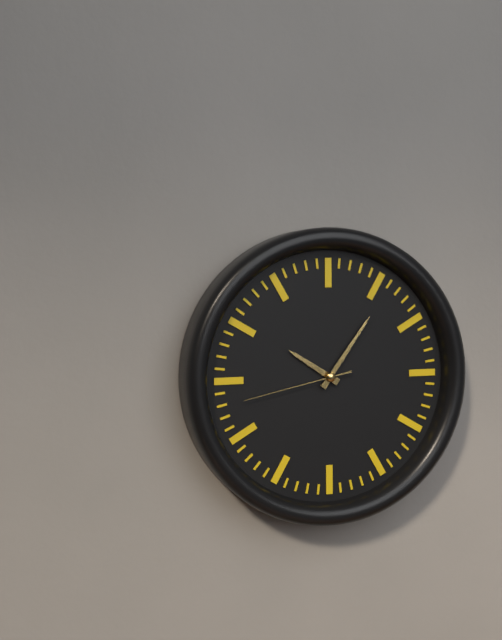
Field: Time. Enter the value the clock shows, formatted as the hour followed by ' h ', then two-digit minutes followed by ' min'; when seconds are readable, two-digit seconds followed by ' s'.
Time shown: 10 h 06 min 43 s
